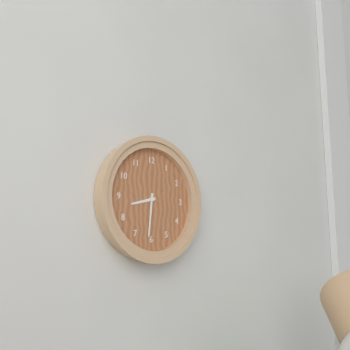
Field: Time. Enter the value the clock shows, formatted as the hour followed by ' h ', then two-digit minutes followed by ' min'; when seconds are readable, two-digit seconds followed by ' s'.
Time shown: 8 h 31 min
